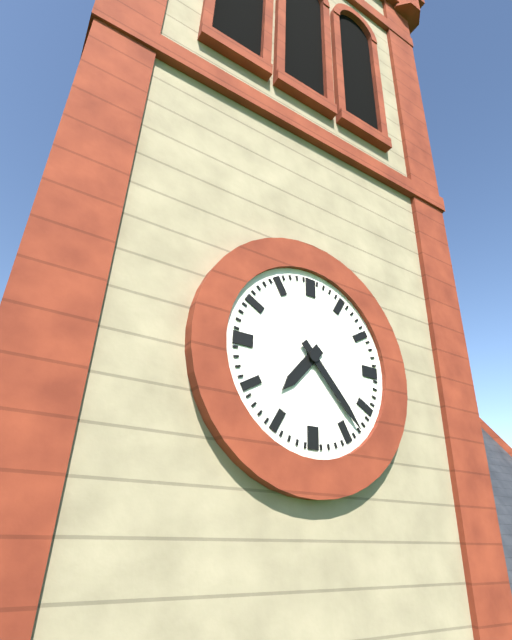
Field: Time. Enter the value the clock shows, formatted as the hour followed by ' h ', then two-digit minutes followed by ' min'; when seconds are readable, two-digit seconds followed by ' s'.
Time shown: 7 h 23 min
